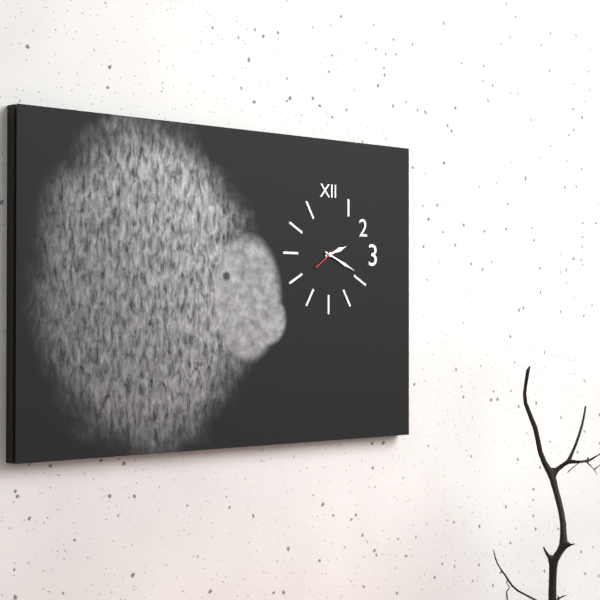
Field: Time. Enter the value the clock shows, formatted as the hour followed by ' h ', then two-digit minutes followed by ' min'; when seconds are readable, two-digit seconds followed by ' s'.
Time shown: 2 h 19 min
